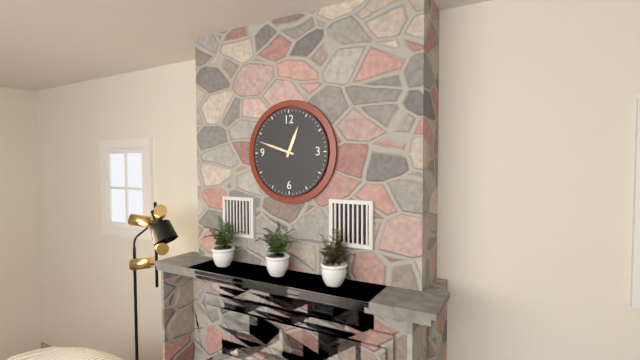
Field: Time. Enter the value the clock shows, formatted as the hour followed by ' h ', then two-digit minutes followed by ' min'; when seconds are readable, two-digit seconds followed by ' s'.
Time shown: 12 h 48 min
